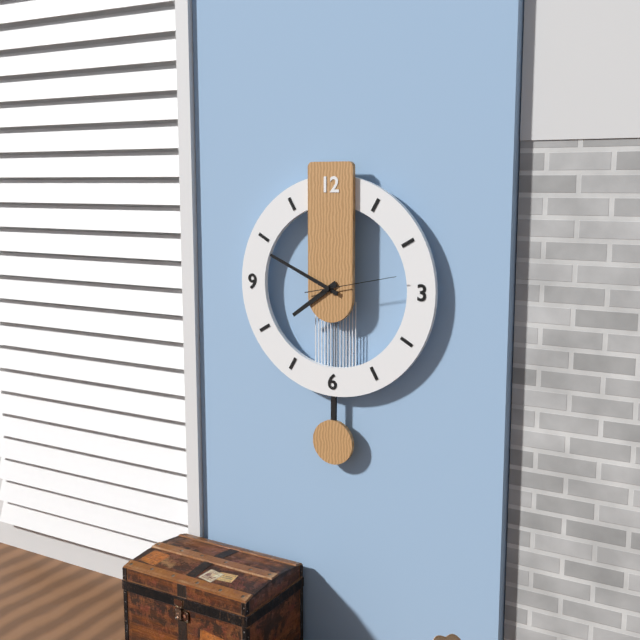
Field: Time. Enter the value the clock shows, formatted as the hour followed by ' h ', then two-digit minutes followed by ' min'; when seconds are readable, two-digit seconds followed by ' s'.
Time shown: 7 h 49 min 13 s
